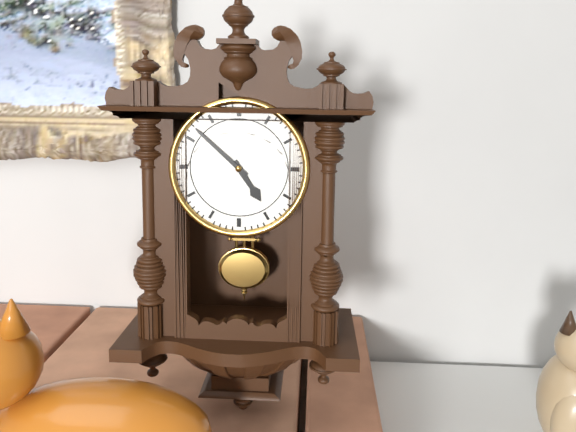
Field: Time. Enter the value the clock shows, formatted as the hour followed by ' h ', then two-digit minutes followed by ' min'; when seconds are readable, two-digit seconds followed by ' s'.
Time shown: 4 h 52 min
